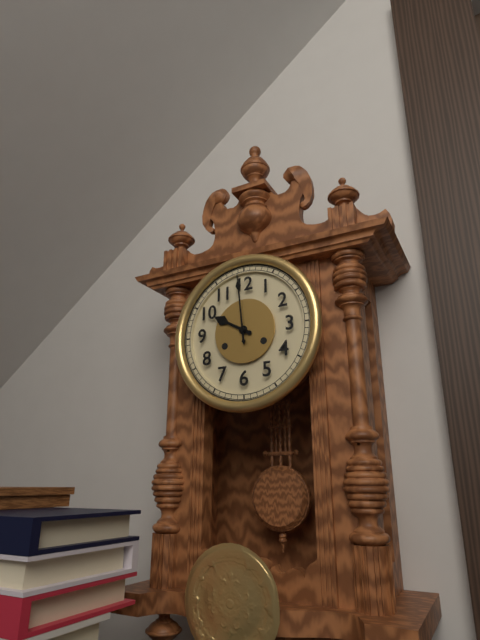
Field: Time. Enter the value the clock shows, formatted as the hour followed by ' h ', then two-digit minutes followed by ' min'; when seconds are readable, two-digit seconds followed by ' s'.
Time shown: 9 h 59 min
